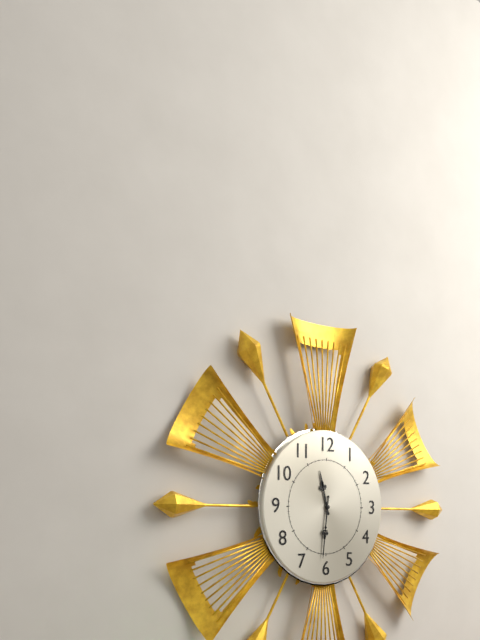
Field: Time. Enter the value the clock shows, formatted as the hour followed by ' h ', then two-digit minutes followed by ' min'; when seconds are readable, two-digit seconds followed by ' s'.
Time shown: 11 h 31 min
